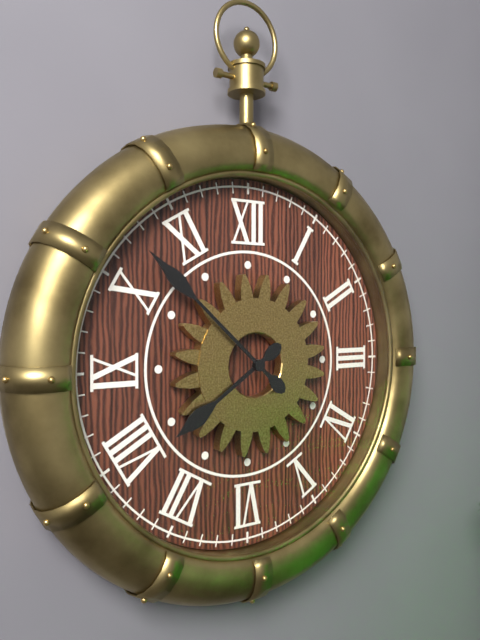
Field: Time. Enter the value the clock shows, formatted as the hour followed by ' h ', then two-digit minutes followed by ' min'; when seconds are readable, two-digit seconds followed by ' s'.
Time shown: 7 h 52 min
